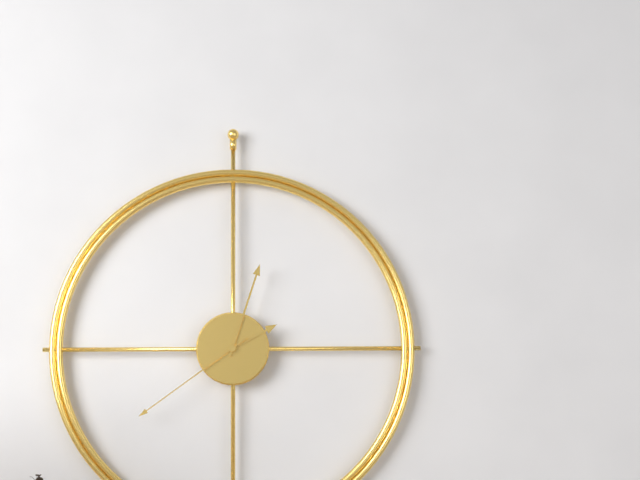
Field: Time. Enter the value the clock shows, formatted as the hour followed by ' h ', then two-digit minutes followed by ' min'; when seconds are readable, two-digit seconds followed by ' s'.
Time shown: 2 h 03 min 39 s
